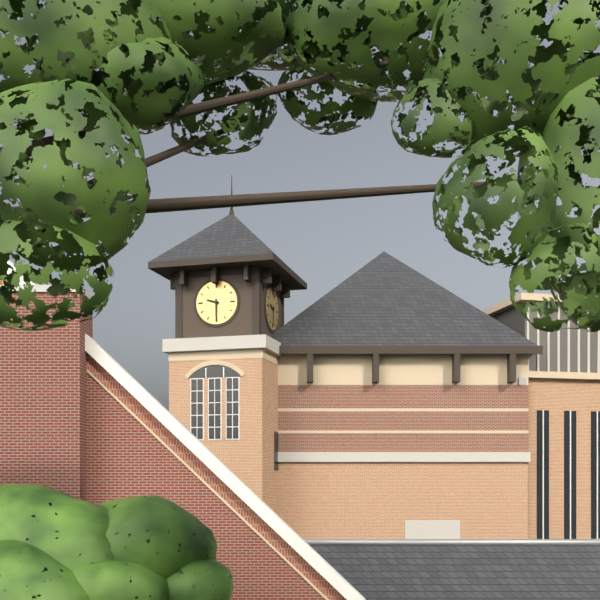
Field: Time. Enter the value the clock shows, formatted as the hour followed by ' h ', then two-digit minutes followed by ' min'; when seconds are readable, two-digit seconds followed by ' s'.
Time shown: 9 h 30 min
